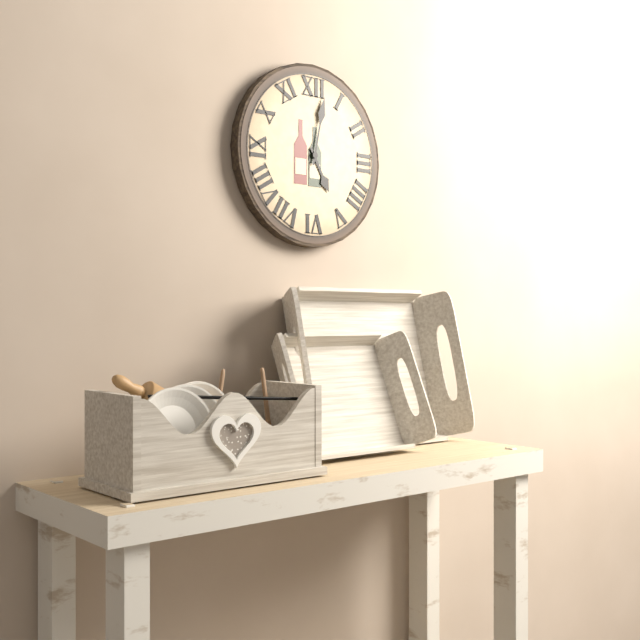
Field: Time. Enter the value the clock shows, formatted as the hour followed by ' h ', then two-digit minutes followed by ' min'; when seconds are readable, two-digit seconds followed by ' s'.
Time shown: 5 h 02 min
